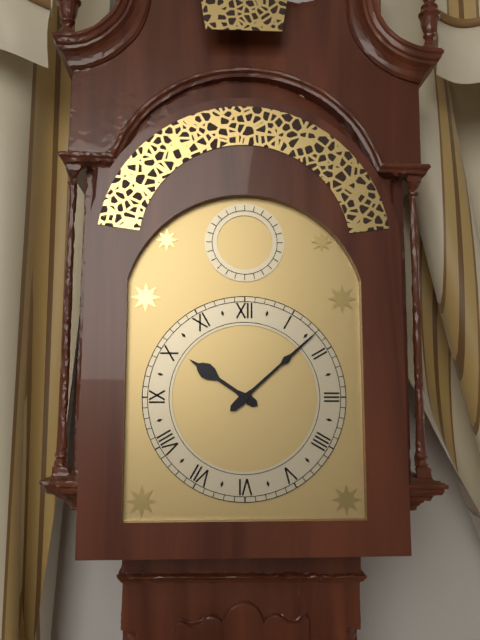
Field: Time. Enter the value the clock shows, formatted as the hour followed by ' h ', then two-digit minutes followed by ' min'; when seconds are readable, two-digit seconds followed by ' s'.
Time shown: 10 h 08 min
